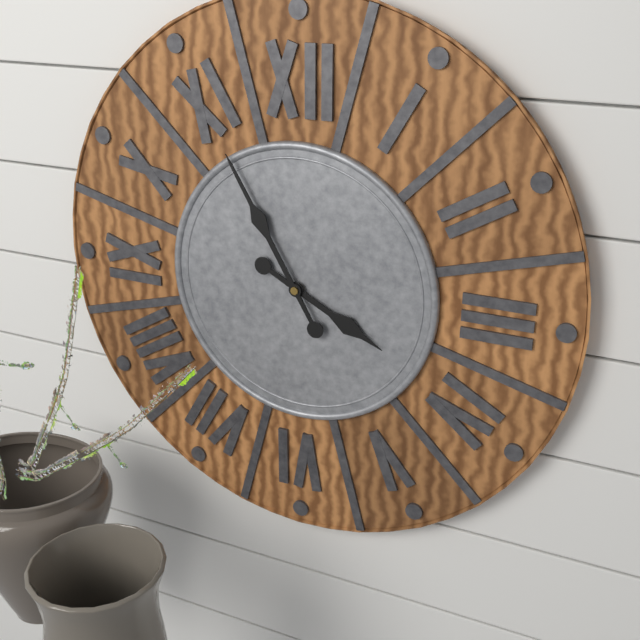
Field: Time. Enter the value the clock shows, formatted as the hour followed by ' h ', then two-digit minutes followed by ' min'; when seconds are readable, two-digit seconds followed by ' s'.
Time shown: 3 h 55 min
